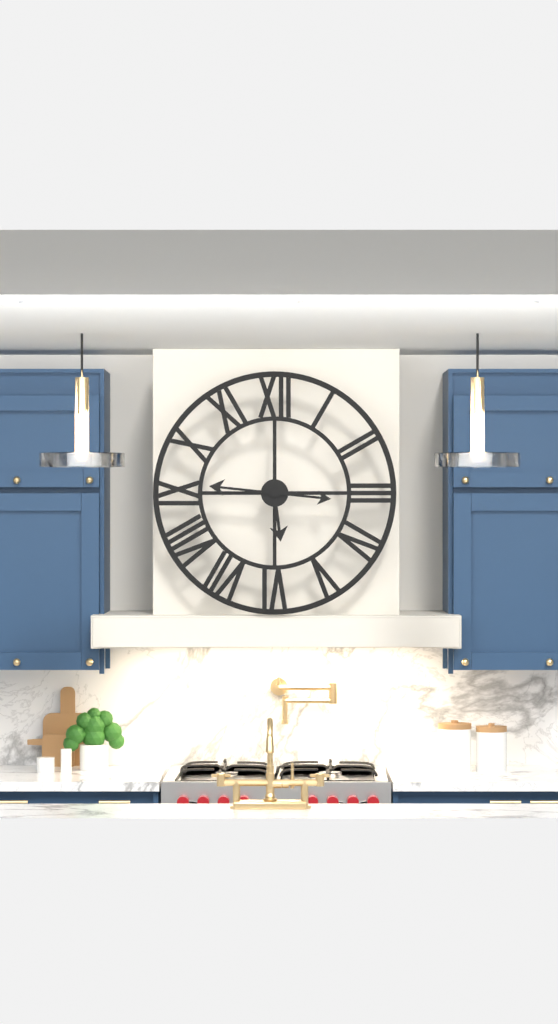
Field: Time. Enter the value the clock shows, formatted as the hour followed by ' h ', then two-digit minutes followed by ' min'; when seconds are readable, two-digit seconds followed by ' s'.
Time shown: 5 h 46 min
